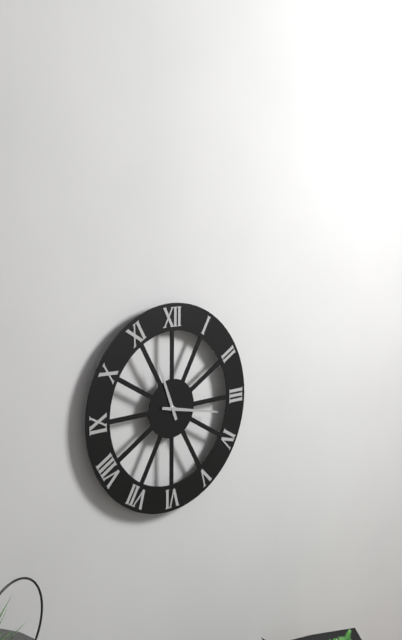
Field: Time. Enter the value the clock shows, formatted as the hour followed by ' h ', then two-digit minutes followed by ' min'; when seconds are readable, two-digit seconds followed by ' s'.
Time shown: 11 h 17 min
